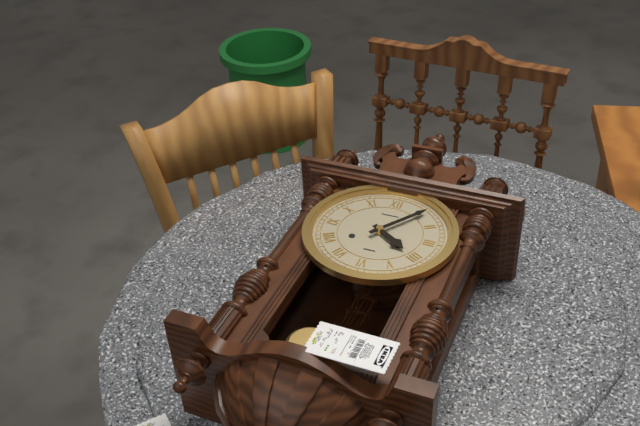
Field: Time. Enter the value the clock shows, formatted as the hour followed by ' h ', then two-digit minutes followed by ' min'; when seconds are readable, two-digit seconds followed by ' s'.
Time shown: 4 h 06 min
